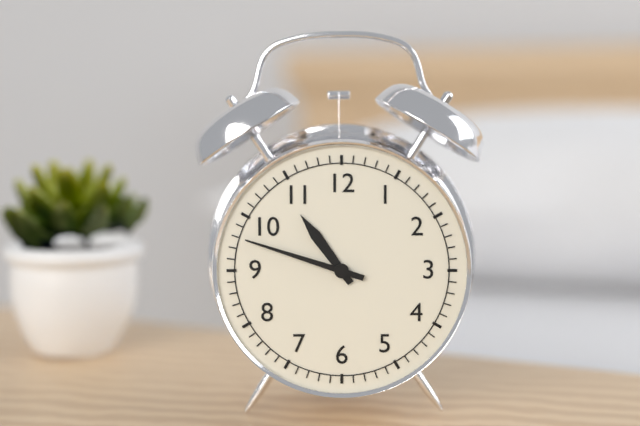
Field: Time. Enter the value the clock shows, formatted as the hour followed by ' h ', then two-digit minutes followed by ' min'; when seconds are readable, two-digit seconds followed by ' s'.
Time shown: 10 h 48 min
